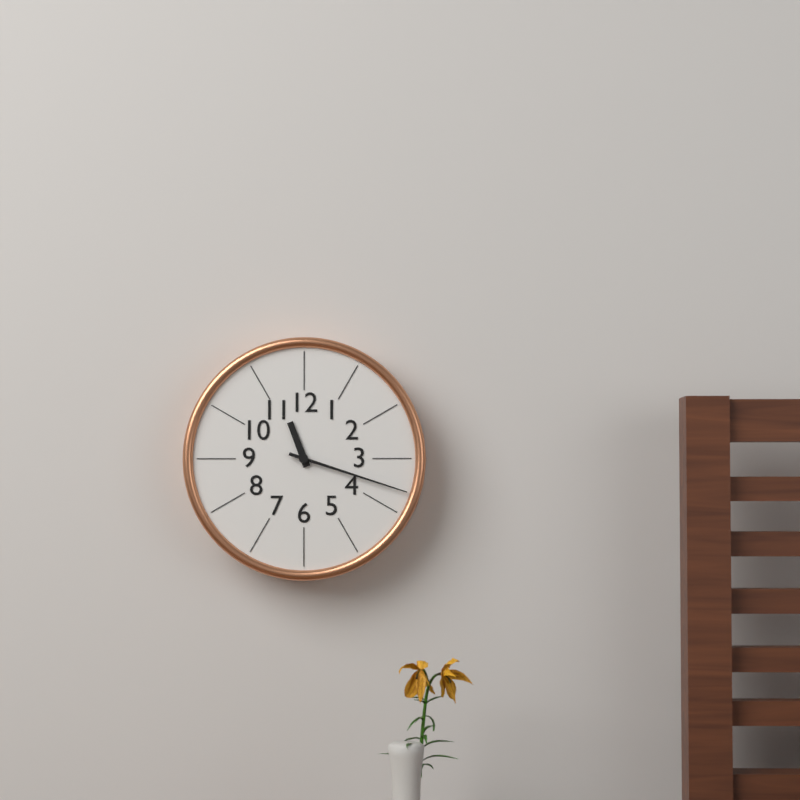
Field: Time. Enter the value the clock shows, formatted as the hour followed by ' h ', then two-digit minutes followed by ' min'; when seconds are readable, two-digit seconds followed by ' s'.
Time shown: 11 h 18 min
